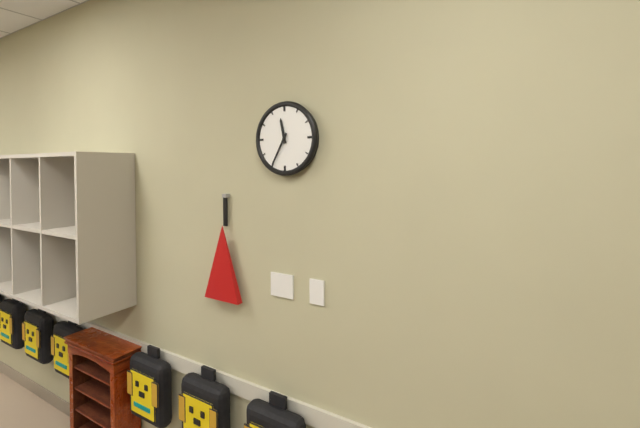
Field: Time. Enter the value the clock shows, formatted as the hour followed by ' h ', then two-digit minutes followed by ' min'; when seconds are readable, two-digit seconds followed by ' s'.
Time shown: 11 h 35 min
